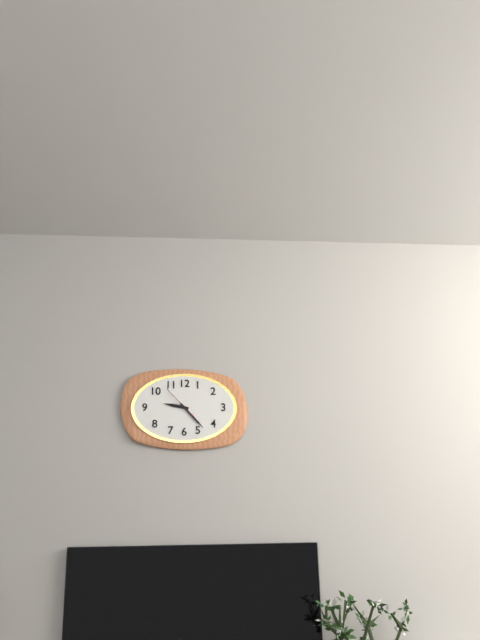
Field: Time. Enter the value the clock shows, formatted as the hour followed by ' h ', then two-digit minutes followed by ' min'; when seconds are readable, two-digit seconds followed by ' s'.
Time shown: 9 h 23 min
